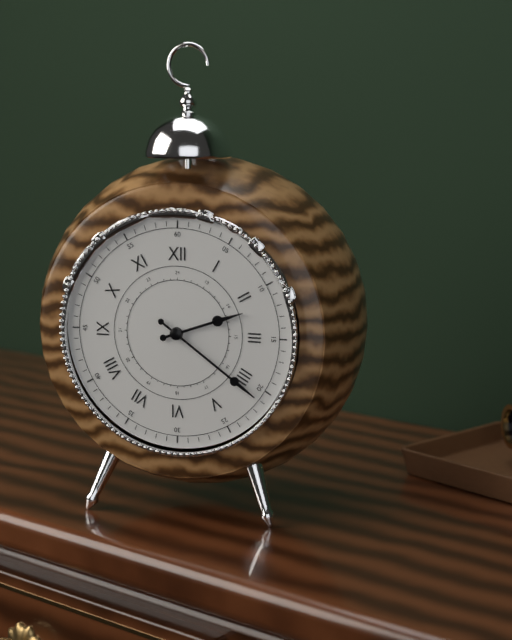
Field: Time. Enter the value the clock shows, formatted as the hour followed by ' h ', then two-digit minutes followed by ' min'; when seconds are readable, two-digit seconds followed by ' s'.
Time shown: 2 h 21 min
